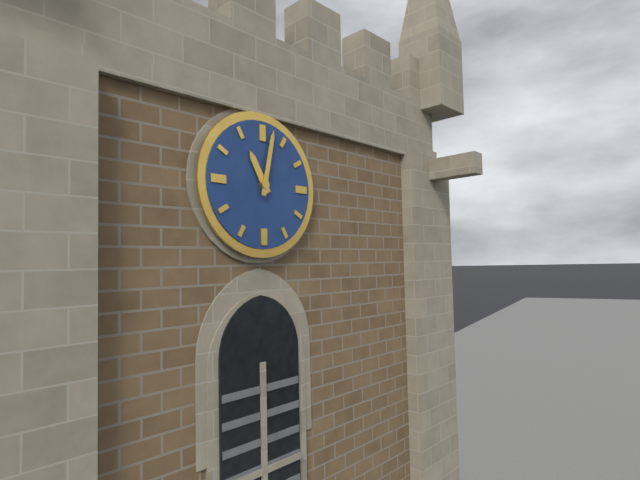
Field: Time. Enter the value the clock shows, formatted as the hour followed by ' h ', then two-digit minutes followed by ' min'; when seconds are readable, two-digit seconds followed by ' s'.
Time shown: 11 h 02 min
